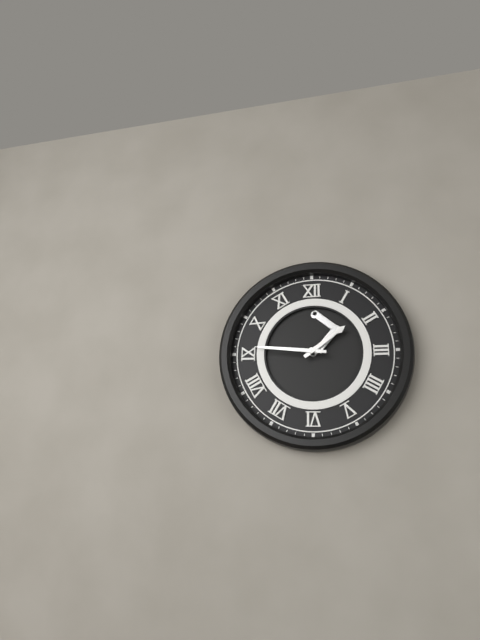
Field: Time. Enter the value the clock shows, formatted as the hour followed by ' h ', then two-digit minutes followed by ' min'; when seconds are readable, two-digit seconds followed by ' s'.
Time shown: 1 h 46 min
